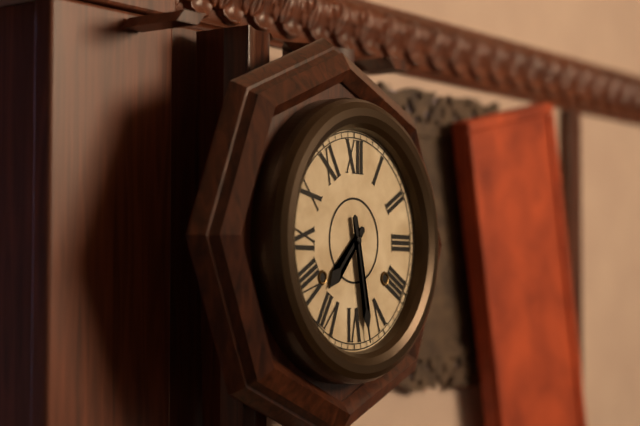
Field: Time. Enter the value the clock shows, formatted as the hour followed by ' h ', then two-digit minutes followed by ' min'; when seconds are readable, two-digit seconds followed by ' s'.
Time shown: 7 h 28 min
